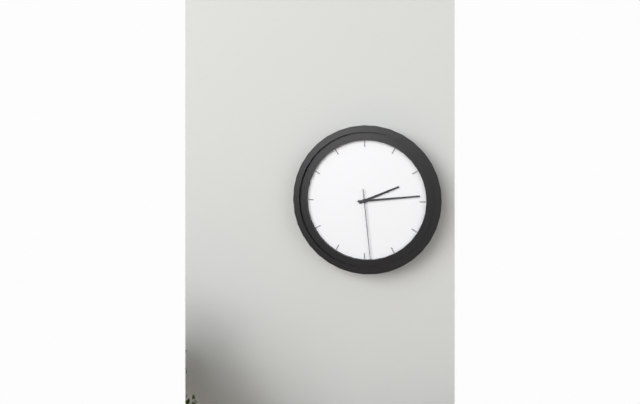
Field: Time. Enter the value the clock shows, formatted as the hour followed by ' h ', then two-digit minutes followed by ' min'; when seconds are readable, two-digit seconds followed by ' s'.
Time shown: 2 h 14 min 29 s
